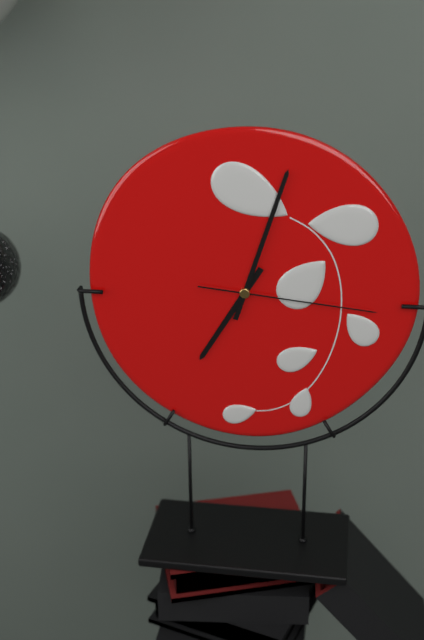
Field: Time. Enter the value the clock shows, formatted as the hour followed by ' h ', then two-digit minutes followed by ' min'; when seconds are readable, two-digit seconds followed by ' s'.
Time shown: 7 h 03 min 16 s
